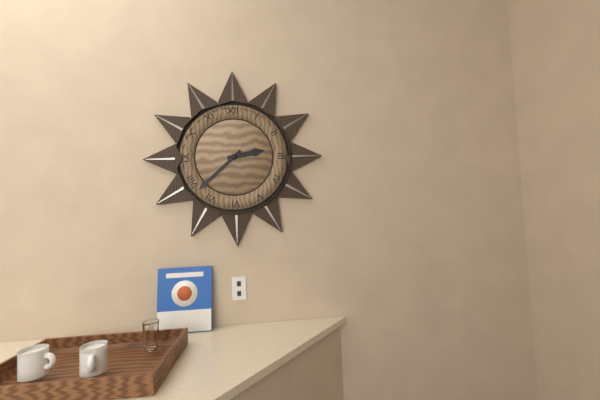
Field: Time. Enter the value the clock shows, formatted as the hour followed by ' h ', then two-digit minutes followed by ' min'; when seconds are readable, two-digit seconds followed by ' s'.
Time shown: 2 h 38 min
